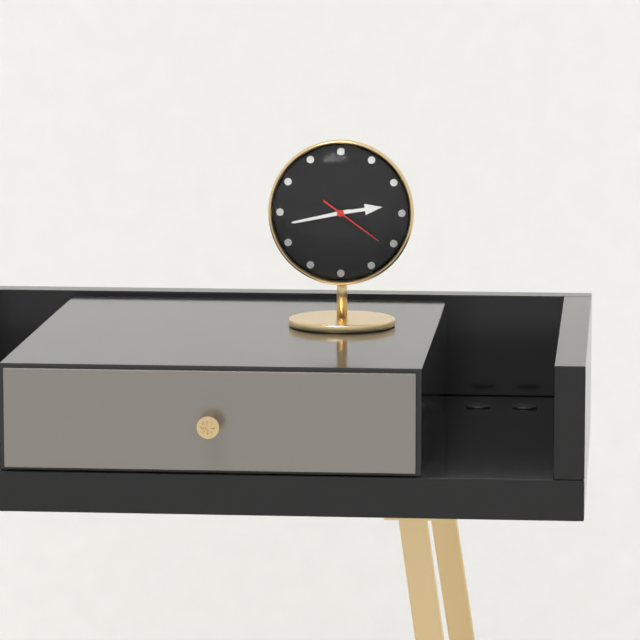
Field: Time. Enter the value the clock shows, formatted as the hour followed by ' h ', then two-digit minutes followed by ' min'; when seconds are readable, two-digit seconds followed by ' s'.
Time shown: 2 h 43 min 21 s
